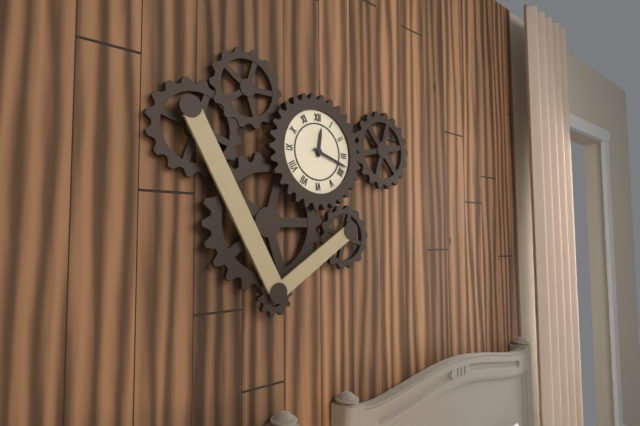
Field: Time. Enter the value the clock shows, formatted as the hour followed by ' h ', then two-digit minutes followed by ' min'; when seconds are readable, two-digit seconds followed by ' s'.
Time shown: 12 h 18 min
